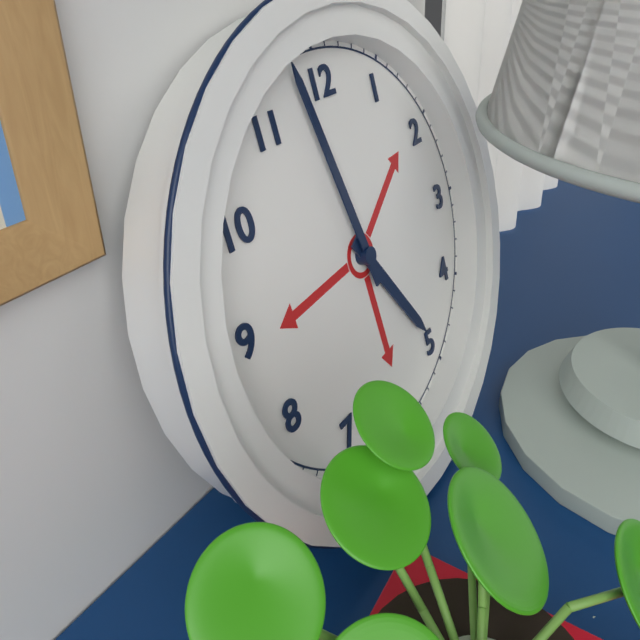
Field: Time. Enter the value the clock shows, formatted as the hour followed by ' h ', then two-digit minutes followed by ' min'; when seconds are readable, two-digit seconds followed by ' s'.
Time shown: 4 h 58 min
